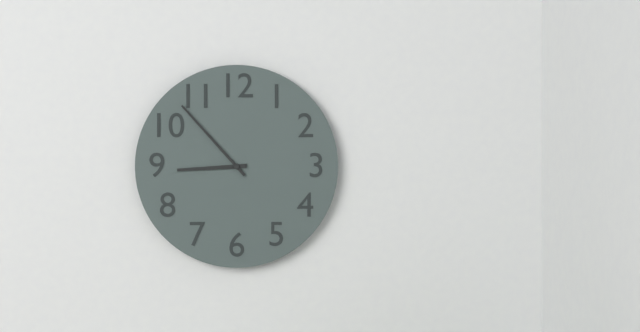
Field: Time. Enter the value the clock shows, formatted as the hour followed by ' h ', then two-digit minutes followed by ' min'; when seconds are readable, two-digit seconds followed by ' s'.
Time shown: 8 h 53 min
